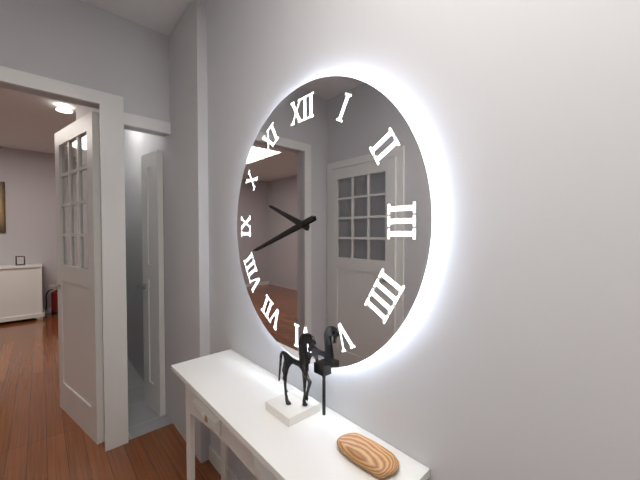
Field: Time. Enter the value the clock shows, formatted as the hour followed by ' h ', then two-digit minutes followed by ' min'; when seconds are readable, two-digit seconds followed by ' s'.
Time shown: 9 h 42 min
